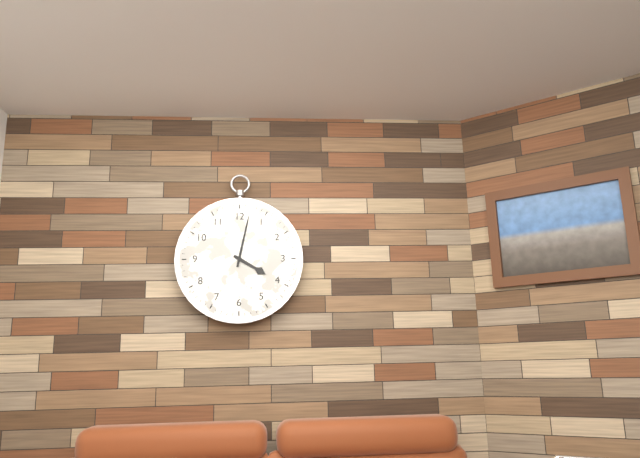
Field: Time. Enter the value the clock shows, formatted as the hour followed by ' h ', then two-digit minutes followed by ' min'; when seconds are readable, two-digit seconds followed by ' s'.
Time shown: 4 h 02 min
